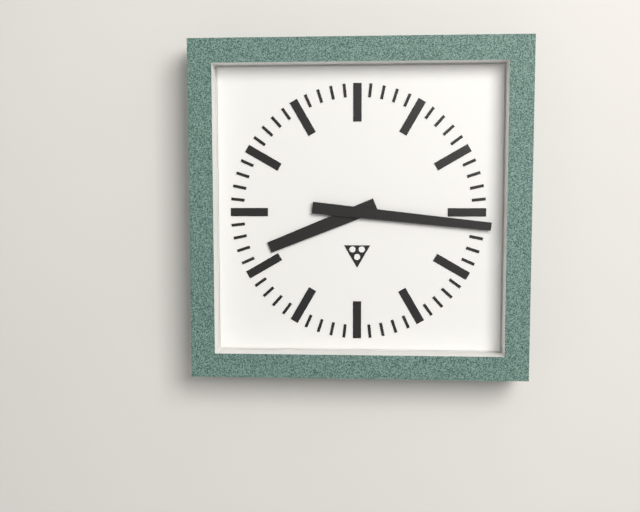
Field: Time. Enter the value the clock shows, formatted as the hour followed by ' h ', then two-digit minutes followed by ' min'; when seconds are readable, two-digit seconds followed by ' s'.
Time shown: 8 h 16 min
